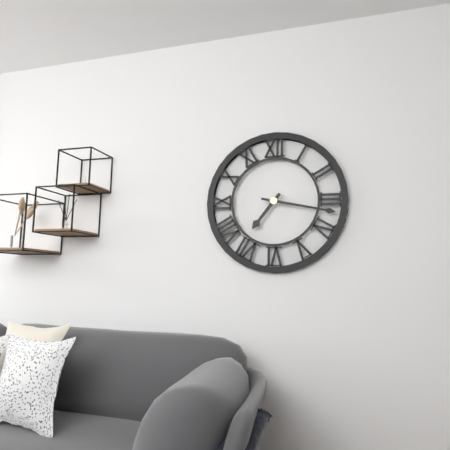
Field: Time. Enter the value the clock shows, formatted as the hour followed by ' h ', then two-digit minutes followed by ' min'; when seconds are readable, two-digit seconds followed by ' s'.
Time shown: 7 h 17 min
